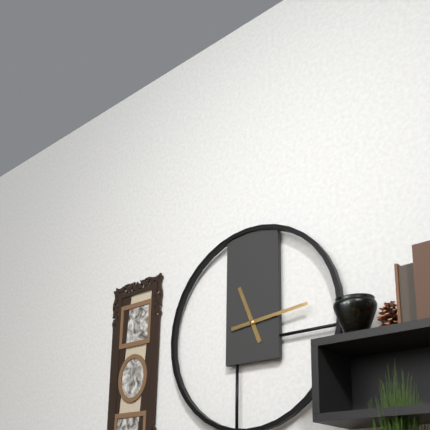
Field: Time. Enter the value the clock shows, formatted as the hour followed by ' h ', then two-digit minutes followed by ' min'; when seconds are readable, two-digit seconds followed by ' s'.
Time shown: 11 h 14 min
